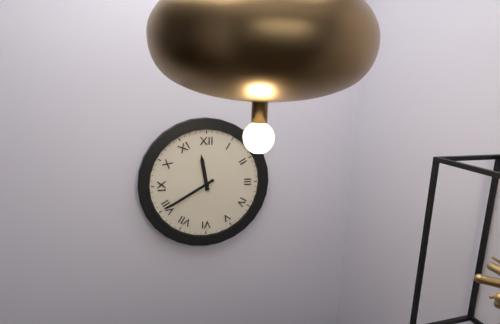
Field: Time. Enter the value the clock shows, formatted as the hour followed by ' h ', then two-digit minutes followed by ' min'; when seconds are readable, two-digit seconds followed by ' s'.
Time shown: 11 h 40 min
